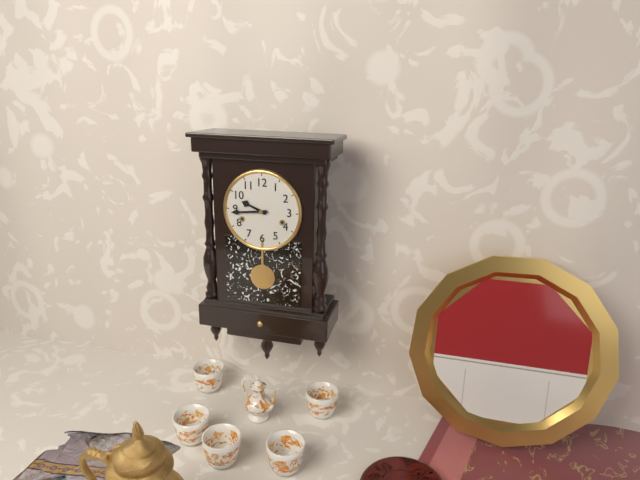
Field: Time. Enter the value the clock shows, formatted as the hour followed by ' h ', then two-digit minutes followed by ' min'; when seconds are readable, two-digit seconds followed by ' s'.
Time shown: 9 h 44 min
